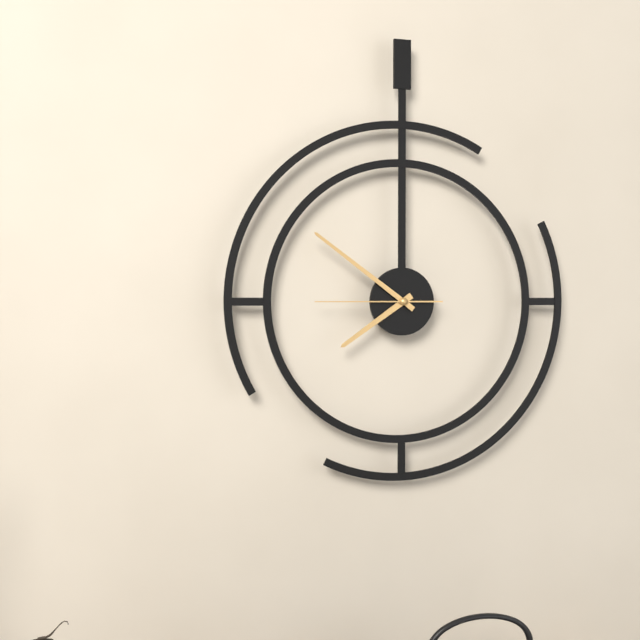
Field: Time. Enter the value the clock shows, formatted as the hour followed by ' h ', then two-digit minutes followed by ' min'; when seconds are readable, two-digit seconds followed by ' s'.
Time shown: 7 h 51 min 45 s
